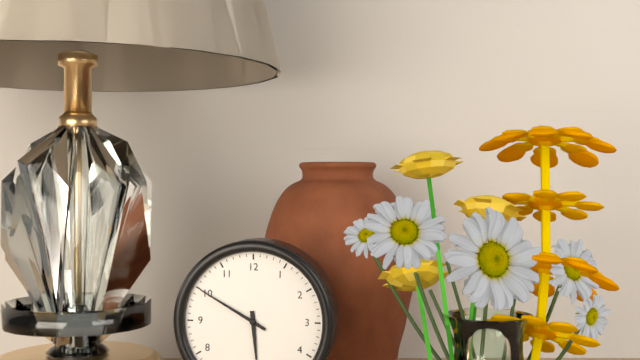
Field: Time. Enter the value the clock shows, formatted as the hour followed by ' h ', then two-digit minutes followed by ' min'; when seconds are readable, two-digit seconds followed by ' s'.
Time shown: 5 h 50 min
